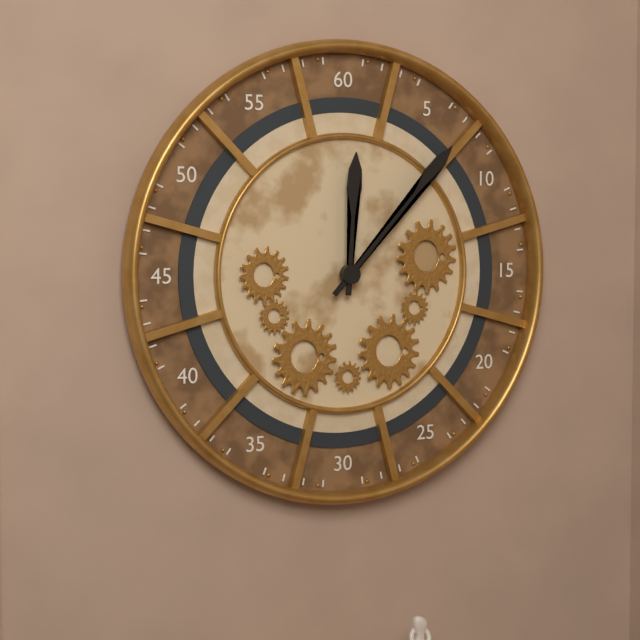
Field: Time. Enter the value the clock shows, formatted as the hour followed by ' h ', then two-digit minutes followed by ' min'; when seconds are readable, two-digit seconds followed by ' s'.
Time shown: 12 h 07 min
